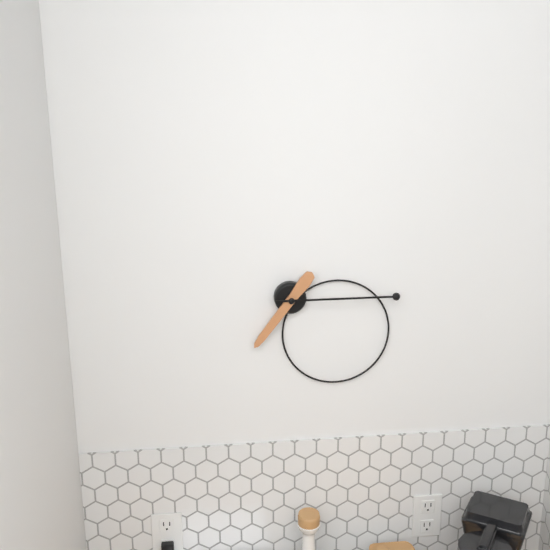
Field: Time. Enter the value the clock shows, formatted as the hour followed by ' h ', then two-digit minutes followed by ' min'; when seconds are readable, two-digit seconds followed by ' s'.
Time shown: 7 h 15 min
